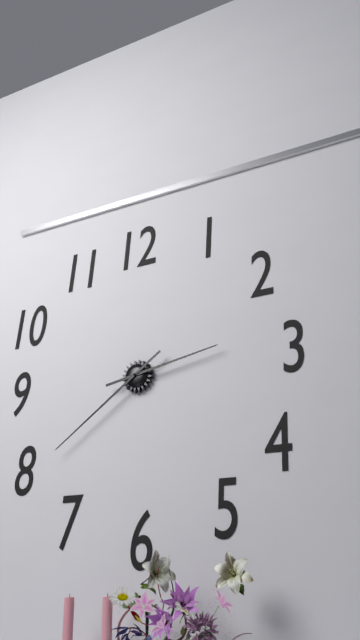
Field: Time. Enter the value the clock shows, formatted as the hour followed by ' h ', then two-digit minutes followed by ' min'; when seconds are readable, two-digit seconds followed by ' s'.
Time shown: 2 h 39 min
